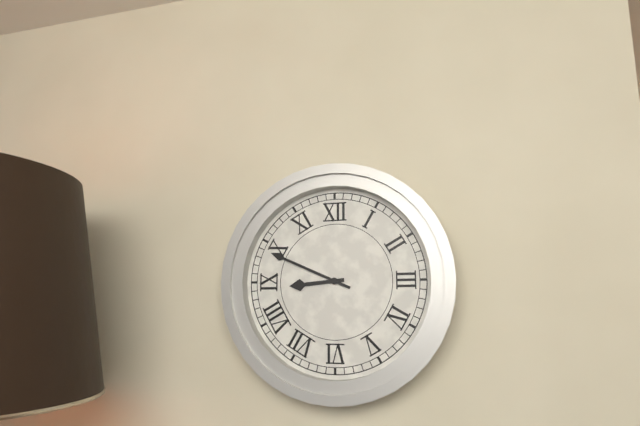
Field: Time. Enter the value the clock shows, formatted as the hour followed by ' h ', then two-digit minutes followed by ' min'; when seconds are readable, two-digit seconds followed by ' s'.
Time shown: 8 h 49 min
